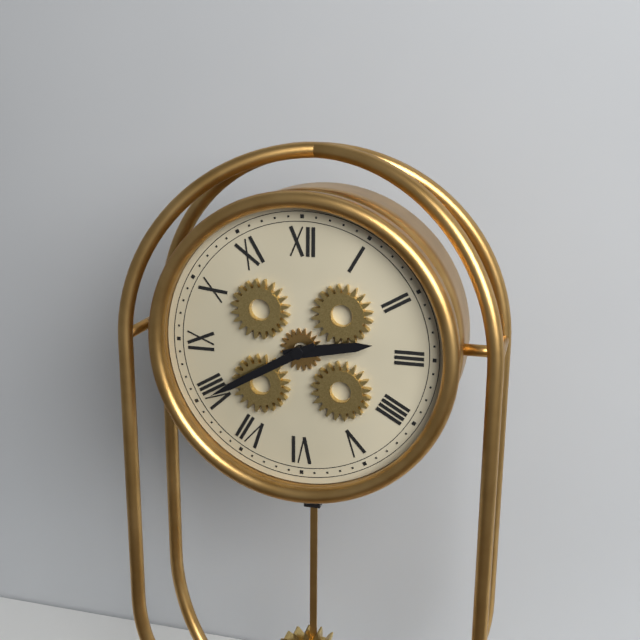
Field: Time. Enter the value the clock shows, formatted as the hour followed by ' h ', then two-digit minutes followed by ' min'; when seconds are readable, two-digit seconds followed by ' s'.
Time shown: 2 h 40 min
